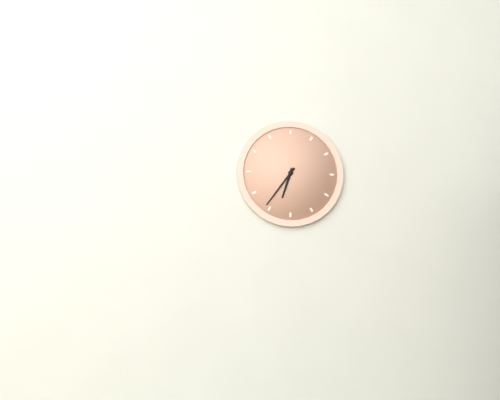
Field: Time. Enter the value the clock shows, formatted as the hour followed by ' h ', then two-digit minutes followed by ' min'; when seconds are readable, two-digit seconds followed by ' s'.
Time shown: 6 h 36 min
